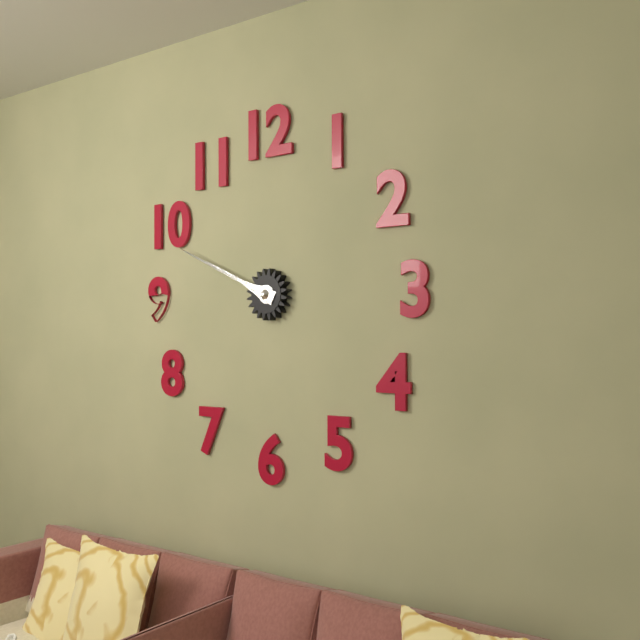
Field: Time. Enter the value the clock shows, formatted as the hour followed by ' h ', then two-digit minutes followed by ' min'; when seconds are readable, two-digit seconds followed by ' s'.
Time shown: 9 h 49 min
